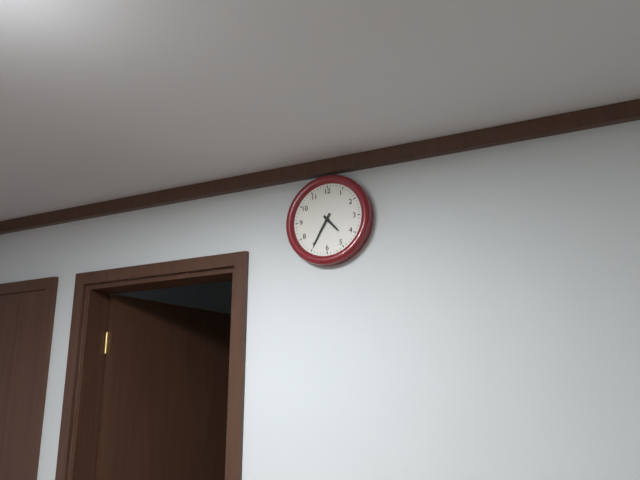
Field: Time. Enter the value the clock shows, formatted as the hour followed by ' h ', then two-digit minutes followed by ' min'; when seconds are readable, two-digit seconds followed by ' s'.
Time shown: 4 h 35 min
